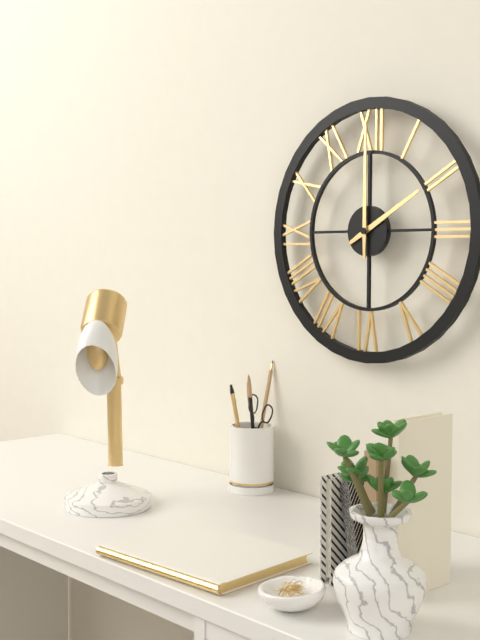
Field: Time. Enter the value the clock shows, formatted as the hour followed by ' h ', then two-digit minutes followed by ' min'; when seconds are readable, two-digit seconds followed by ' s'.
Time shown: 2 h 00 min
